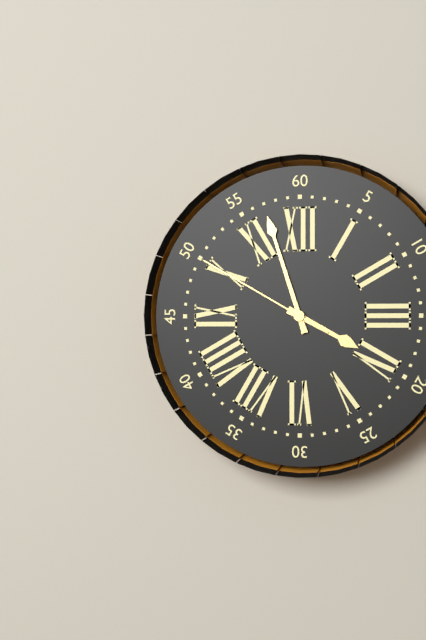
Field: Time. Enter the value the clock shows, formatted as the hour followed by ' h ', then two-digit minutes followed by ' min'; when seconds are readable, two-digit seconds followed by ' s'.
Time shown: 3 h 57 min 50 s
